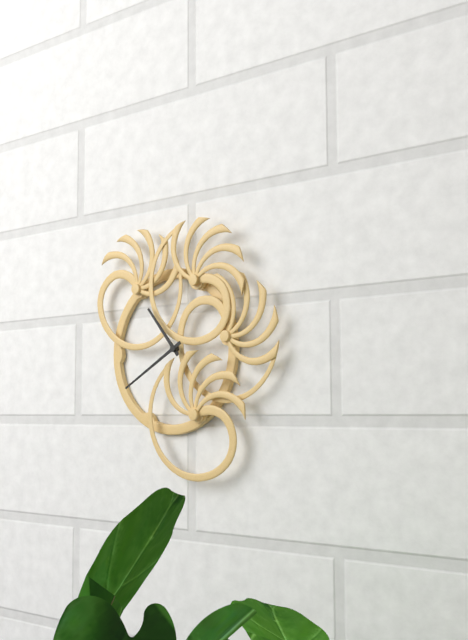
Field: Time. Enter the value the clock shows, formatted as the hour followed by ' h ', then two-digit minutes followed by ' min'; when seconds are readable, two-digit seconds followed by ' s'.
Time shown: 10 h 40 min
